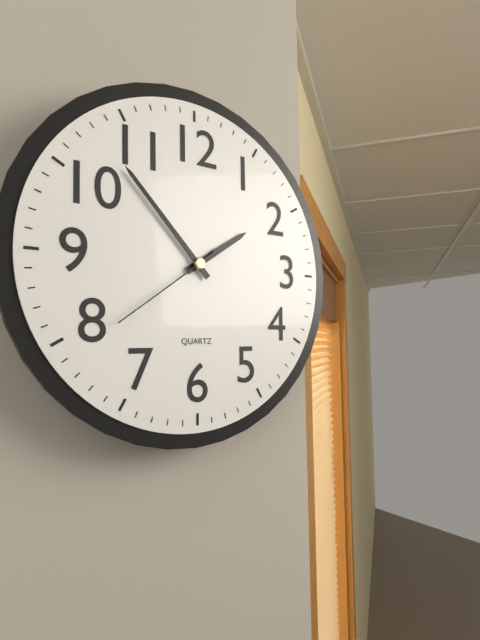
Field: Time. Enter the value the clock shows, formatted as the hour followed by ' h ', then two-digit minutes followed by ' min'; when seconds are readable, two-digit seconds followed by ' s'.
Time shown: 1 h 53 min 39 s
